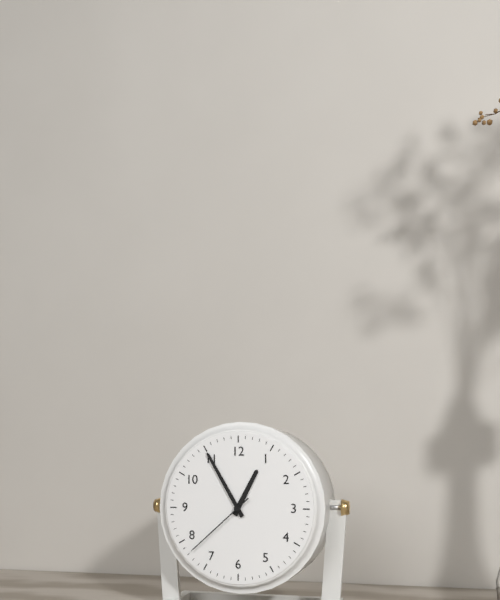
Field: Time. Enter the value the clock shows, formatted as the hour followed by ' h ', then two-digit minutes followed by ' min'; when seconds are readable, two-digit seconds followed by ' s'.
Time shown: 12 h 55 min 38 s
